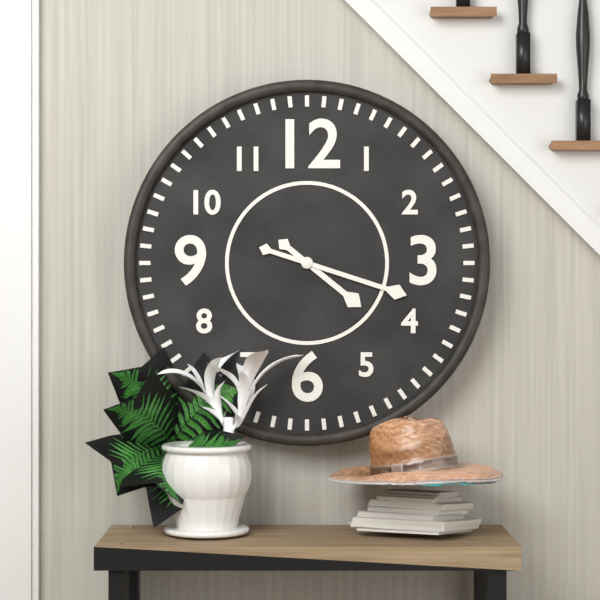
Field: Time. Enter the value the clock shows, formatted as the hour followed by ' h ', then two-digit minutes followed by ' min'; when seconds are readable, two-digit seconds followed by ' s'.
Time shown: 4 h 18 min
